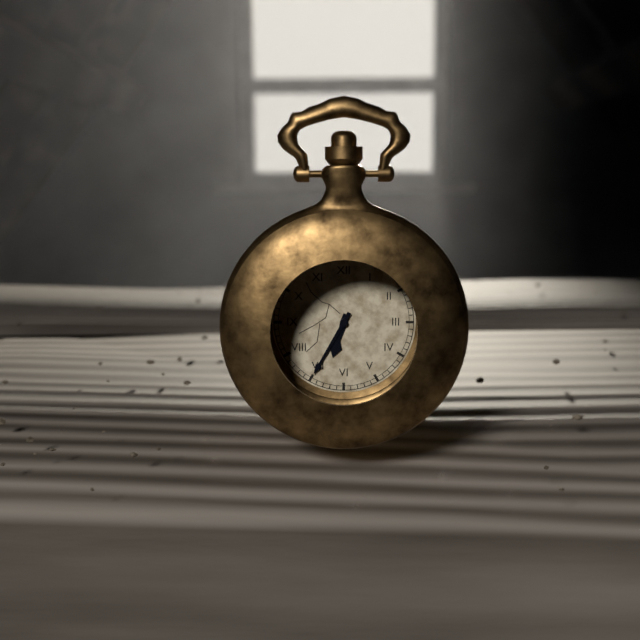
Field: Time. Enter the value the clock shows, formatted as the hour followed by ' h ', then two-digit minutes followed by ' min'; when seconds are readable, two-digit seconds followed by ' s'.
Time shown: 6 h 35 min
